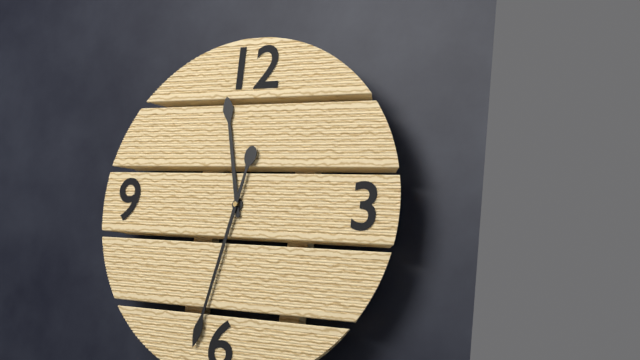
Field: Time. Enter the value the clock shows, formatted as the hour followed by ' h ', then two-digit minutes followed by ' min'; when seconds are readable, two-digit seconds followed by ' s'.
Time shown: 11 h 32 min
